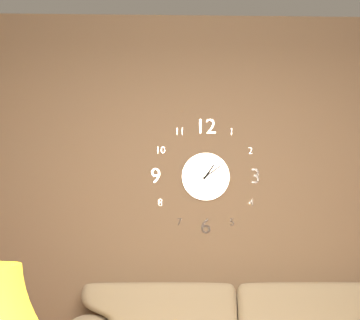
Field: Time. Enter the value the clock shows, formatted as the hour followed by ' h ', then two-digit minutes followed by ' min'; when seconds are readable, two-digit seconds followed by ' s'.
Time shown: 1 h 09 min
